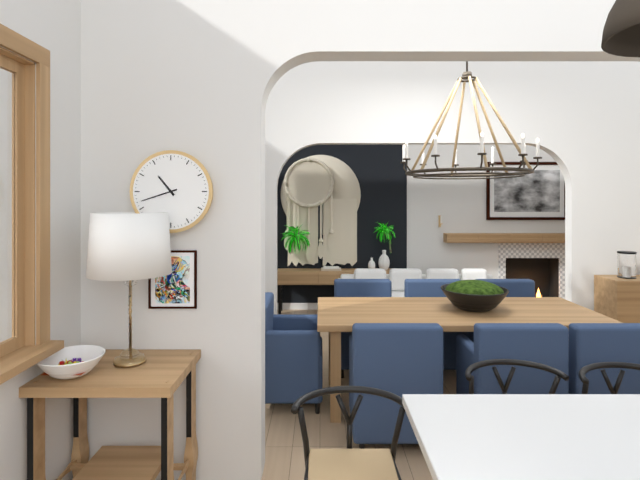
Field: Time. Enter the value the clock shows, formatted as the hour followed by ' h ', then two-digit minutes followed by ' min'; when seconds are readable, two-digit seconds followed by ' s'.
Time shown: 10 h 42 min
